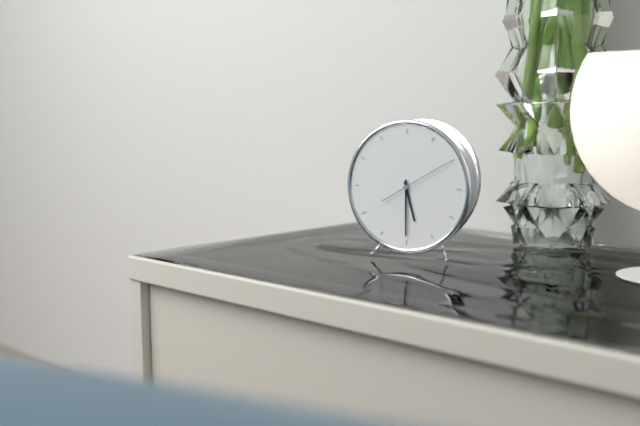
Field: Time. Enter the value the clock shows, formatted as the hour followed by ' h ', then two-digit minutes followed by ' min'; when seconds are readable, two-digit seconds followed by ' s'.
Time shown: 5 h 30 min 10 s
